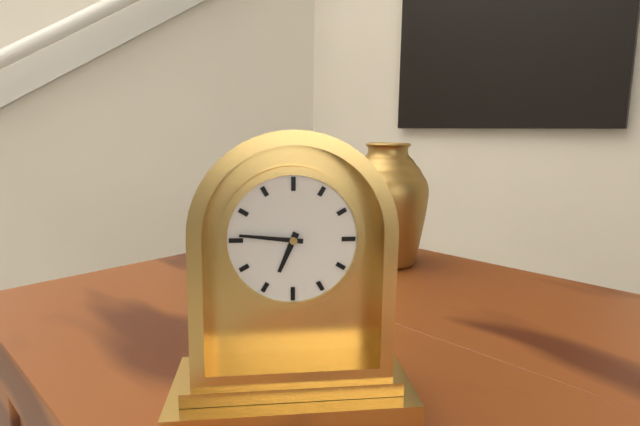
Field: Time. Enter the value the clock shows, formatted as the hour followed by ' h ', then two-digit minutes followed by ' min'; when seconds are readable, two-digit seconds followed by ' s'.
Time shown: 6 h 46 min
